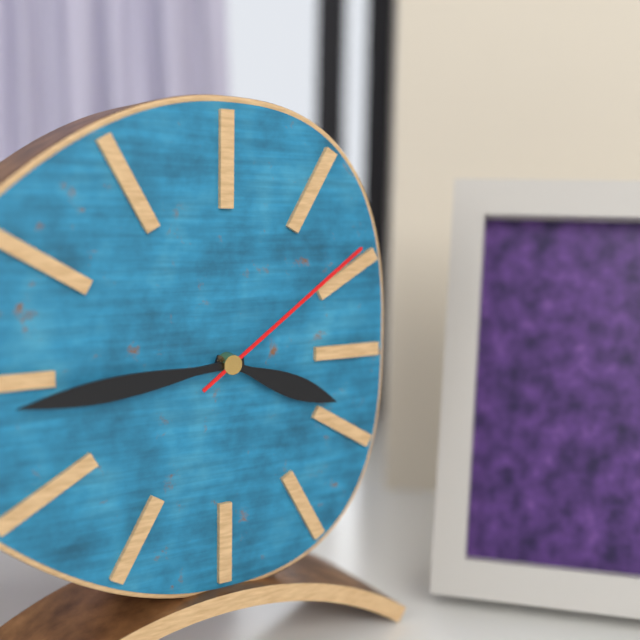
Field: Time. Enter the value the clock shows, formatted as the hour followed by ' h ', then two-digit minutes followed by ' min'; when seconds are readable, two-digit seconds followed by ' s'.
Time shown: 3 h 44 min 09 s
